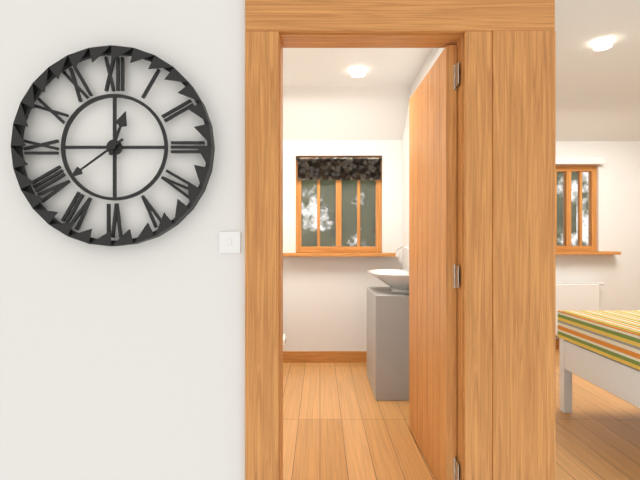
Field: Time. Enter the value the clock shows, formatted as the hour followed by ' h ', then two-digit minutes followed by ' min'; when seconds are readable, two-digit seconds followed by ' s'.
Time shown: 12 h 39 min
